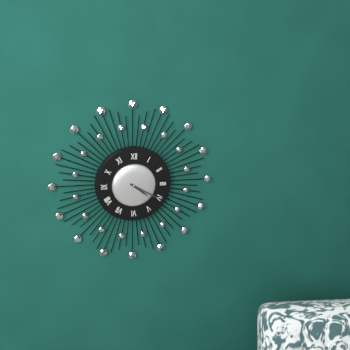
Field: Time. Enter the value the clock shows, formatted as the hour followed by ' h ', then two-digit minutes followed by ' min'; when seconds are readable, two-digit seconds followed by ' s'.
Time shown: 4 h 20 min
